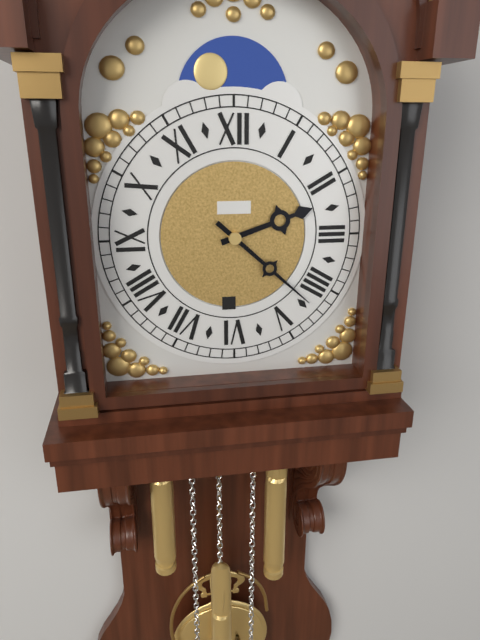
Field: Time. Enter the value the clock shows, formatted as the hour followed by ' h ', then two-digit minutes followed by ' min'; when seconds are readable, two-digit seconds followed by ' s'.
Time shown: 2 h 22 min
